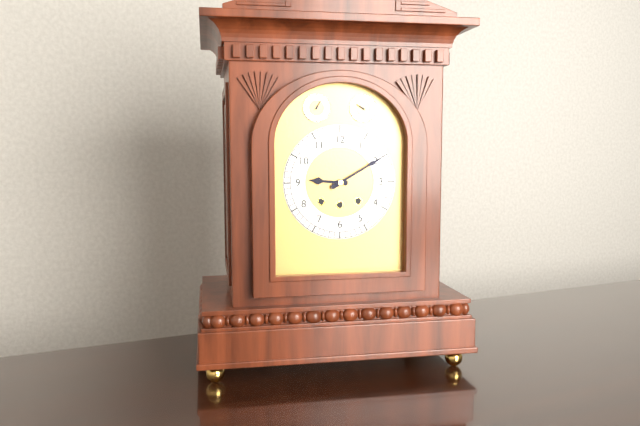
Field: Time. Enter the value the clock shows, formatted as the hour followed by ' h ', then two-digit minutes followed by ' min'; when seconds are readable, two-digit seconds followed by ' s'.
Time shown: 9 h 10 min
